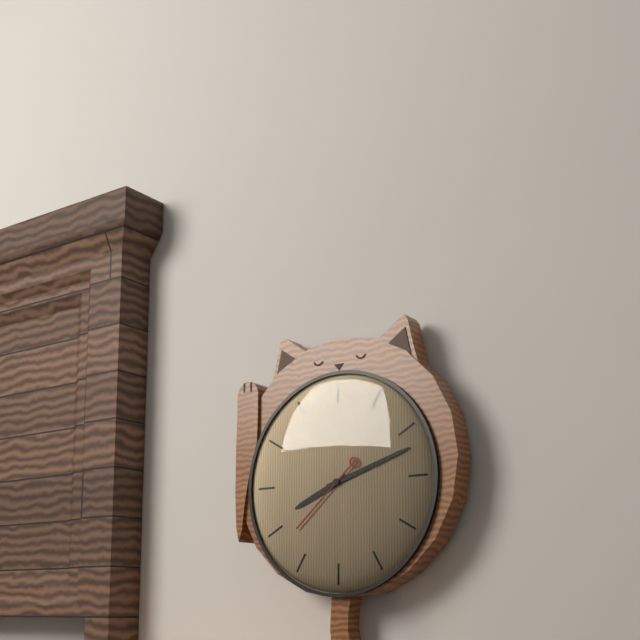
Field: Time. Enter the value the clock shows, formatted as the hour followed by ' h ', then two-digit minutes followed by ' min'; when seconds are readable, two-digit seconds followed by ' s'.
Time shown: 8 h 12 min 38 s
